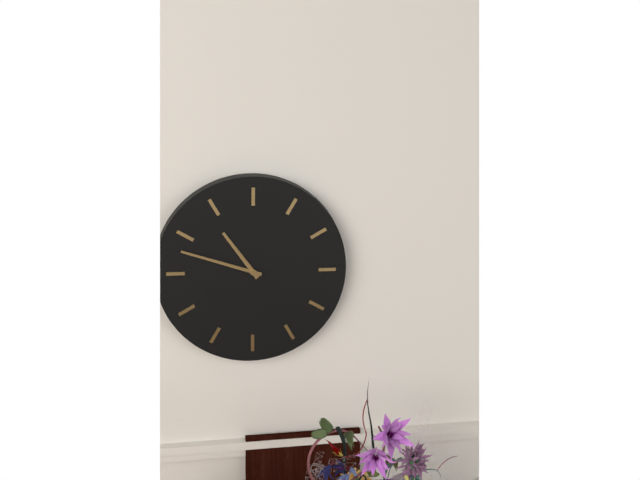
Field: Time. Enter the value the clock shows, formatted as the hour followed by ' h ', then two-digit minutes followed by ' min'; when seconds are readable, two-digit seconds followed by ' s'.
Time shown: 10 h 48 min
